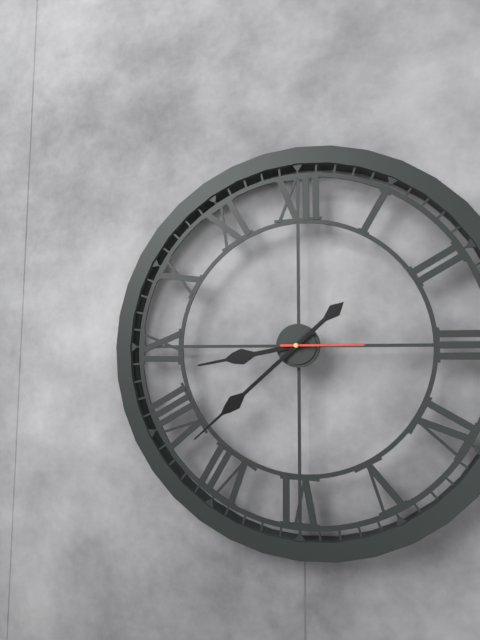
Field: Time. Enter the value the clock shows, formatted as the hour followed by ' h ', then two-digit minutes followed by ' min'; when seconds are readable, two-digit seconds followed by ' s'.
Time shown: 8 h 38 min 15 s
